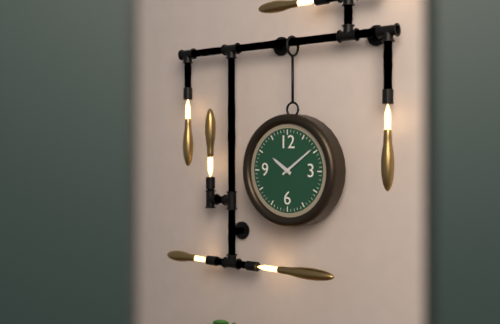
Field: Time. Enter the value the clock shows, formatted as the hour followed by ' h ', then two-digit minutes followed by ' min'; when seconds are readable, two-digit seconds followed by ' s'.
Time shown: 10 h 09 min
